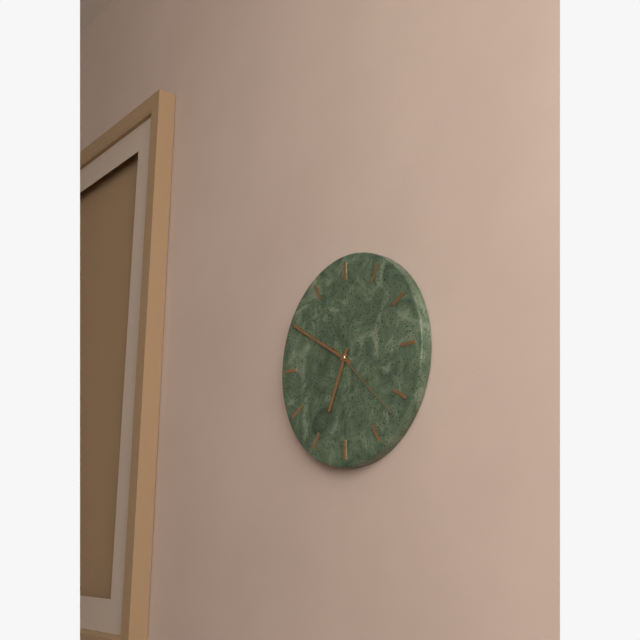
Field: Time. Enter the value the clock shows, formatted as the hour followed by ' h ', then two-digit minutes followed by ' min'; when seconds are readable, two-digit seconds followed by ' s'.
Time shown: 6 h 50 min 22 s
